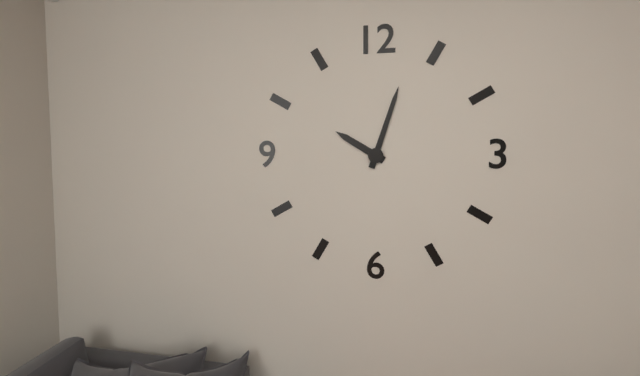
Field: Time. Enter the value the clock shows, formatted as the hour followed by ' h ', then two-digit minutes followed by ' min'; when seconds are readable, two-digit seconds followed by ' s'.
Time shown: 10 h 03 min
